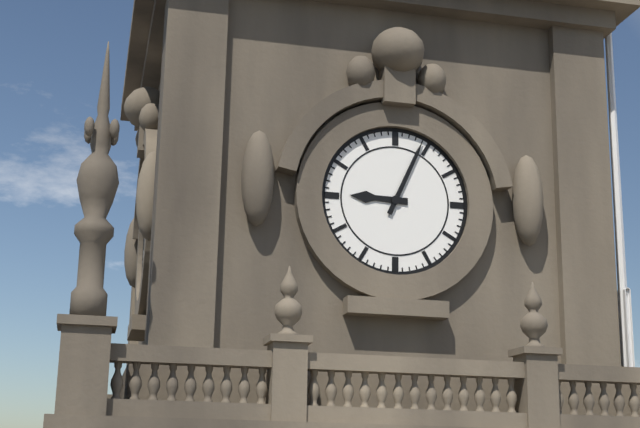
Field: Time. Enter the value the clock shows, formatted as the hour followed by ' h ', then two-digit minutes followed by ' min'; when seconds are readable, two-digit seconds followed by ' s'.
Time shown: 9 h 04 min
